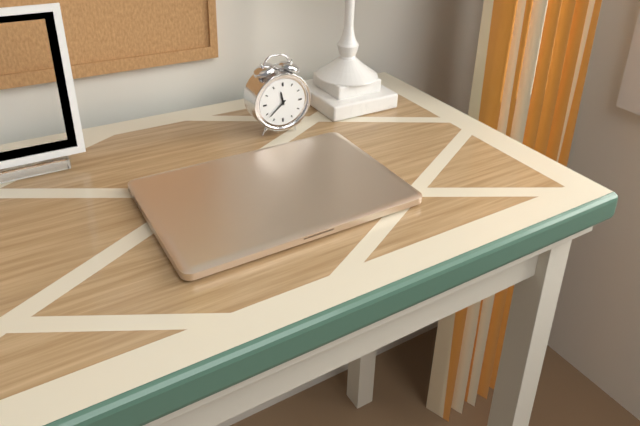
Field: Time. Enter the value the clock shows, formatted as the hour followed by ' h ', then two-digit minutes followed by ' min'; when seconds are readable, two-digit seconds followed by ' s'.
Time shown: 11 h 38 min
